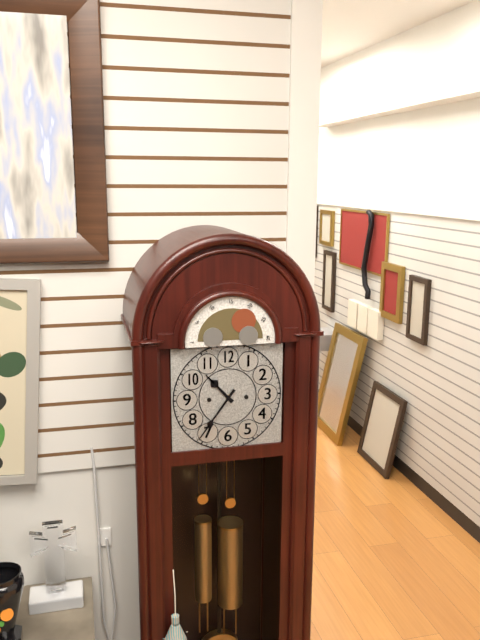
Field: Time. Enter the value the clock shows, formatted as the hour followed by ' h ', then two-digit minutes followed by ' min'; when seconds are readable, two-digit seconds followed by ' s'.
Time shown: 10 h 36 min
